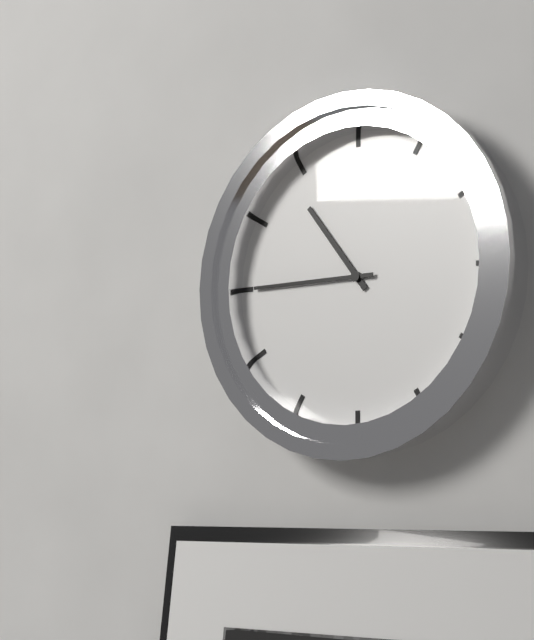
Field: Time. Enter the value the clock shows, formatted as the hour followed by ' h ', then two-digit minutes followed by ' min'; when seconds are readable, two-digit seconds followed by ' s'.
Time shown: 10 h 45 min
